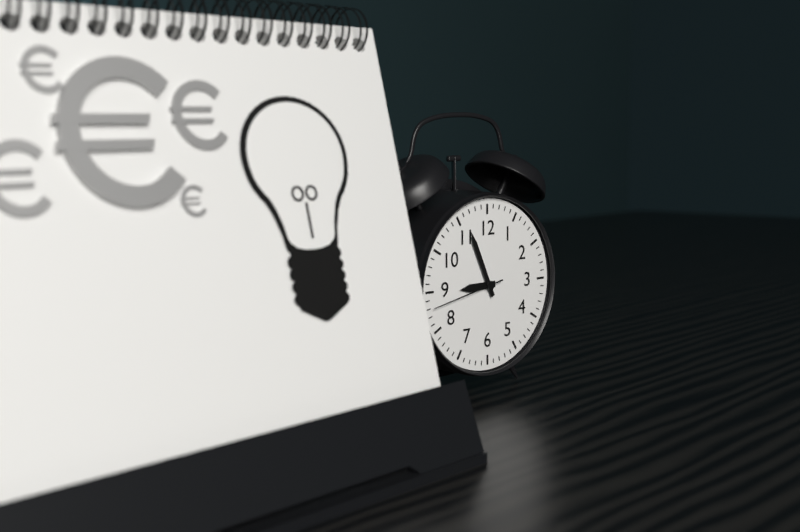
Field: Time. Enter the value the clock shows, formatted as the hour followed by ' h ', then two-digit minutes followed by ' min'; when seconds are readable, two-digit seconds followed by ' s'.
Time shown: 8 h 56 min 43 s
